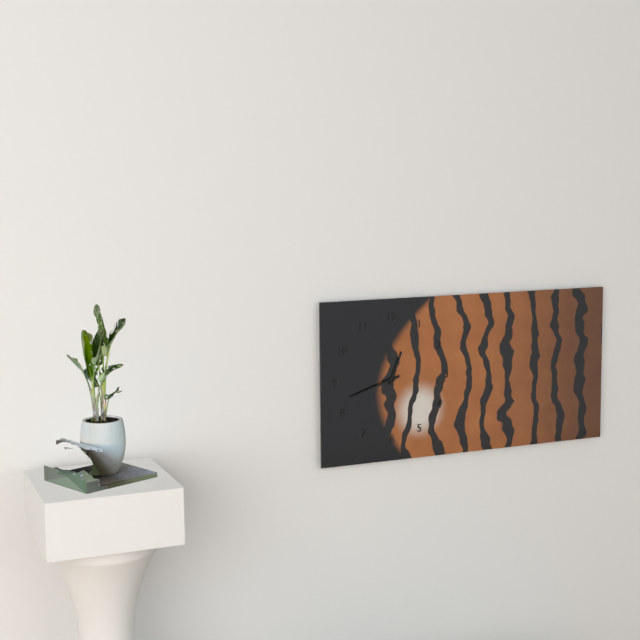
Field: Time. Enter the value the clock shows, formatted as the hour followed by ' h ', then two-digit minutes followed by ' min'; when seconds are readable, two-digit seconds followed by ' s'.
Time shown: 12 h 42 min
